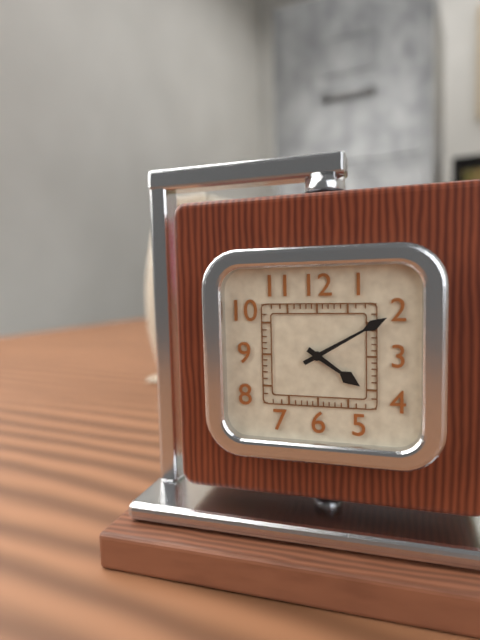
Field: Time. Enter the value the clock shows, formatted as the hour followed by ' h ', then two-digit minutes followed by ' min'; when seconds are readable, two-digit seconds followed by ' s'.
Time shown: 4 h 10 min
